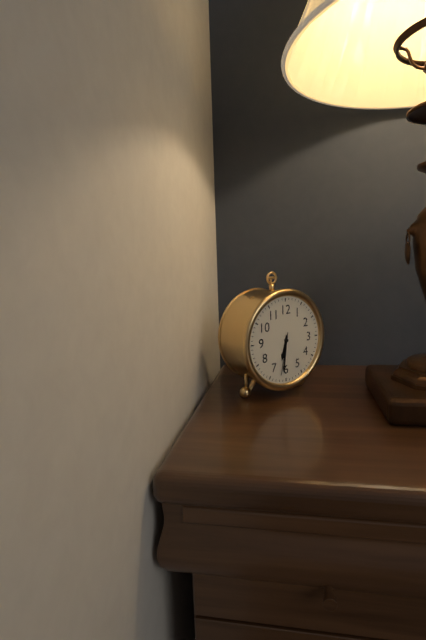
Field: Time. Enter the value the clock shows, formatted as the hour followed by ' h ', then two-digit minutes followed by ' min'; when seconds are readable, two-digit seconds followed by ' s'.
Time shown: 6 h 31 min
